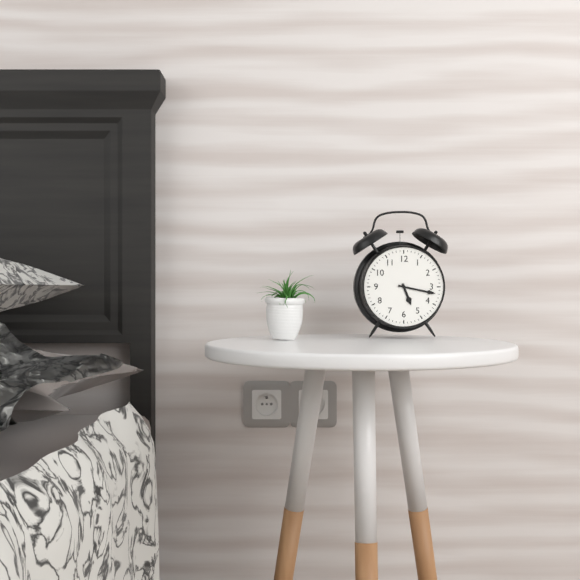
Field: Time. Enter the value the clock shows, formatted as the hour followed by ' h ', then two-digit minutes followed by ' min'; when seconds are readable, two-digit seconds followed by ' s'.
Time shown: 5 h 17 min
